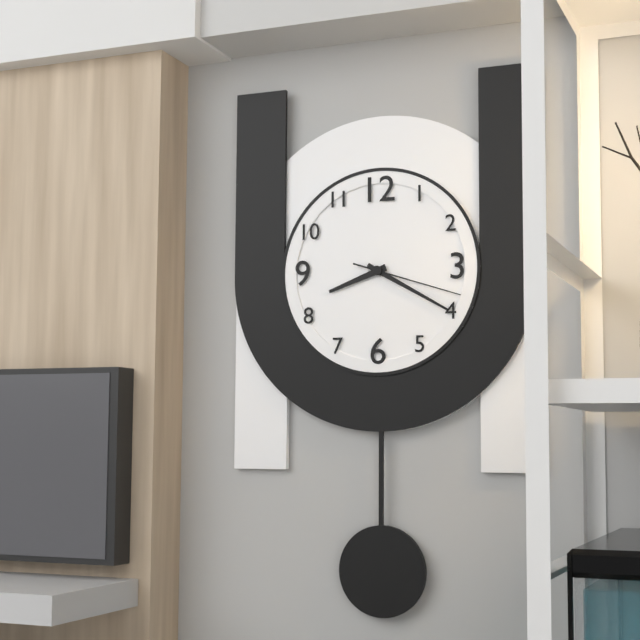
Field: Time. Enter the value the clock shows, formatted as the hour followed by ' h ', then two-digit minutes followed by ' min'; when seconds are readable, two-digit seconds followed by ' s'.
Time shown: 8 h 20 min 18 s
